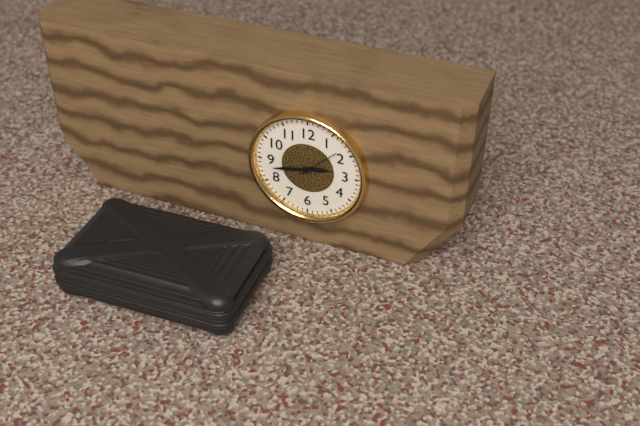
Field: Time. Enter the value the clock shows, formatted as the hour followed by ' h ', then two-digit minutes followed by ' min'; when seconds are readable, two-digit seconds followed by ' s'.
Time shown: 2 h 43 min
